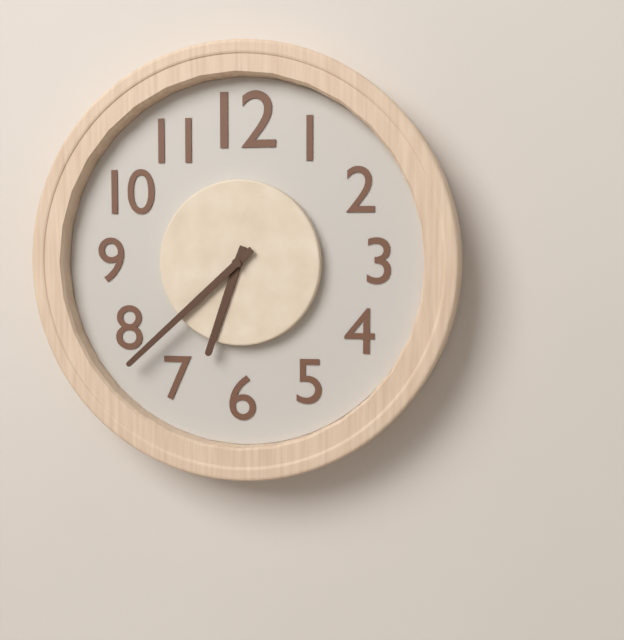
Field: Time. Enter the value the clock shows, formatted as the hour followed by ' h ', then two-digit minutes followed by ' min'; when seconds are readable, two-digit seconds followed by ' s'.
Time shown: 6 h 38 min
